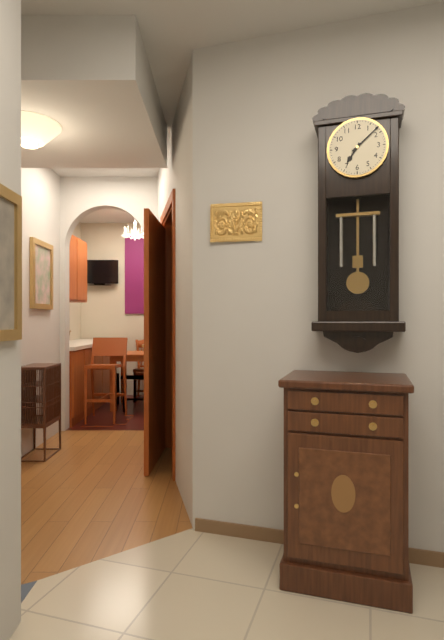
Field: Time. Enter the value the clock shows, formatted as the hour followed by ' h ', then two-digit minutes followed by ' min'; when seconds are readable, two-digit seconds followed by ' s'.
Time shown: 7 h 08 min
